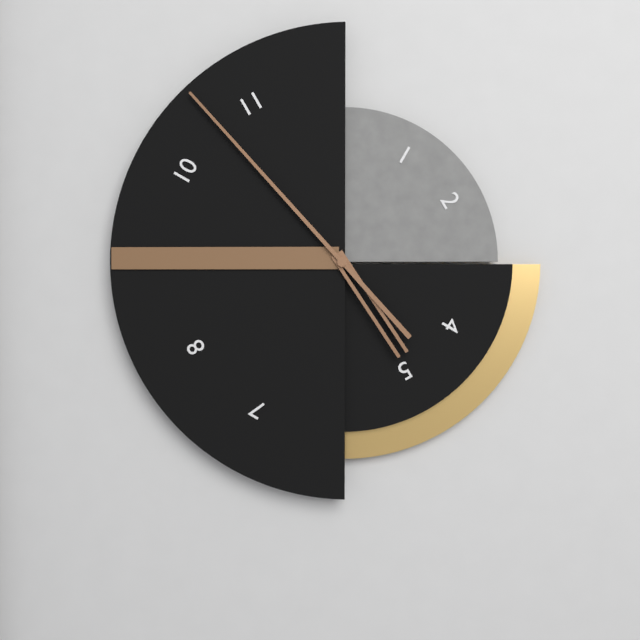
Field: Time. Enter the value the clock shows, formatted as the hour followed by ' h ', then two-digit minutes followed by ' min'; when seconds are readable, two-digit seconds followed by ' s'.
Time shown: 4 h 53 min
